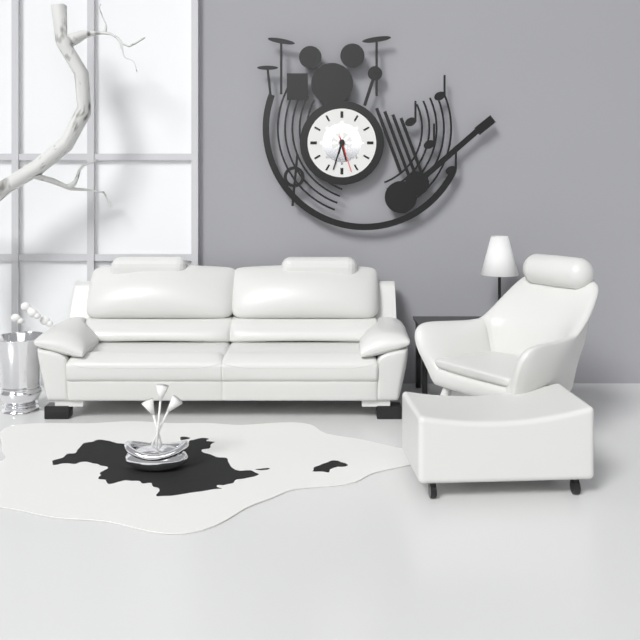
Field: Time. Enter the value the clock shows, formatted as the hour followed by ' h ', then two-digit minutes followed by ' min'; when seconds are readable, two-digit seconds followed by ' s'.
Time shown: 5 h 33 min
